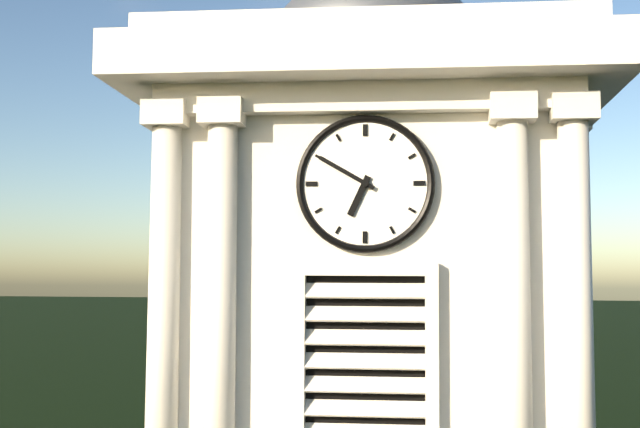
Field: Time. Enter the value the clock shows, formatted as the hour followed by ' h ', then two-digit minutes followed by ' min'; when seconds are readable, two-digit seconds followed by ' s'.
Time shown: 6 h 50 min
